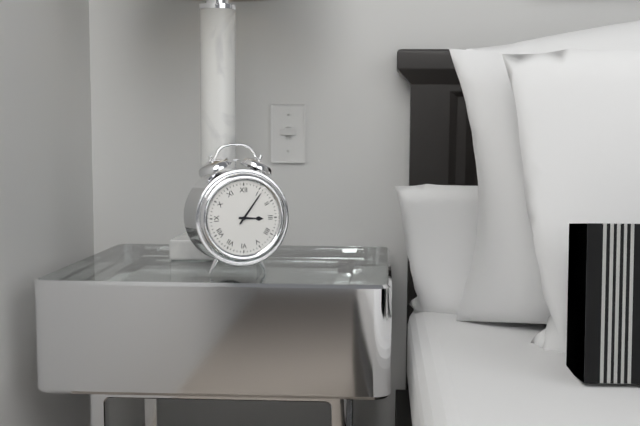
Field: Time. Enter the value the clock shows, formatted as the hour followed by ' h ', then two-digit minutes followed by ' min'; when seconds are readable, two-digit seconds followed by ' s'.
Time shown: 3 h 06 min
